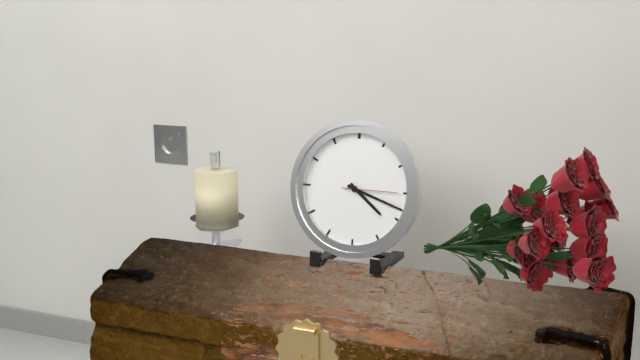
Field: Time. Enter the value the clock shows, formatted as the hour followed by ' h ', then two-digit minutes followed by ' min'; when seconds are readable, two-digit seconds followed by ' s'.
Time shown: 4 h 18 min 15 s
